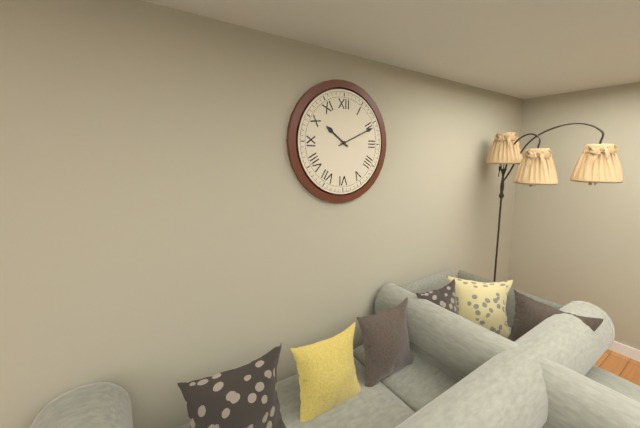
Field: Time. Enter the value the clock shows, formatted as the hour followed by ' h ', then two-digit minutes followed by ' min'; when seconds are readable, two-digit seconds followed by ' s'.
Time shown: 10 h 11 min
